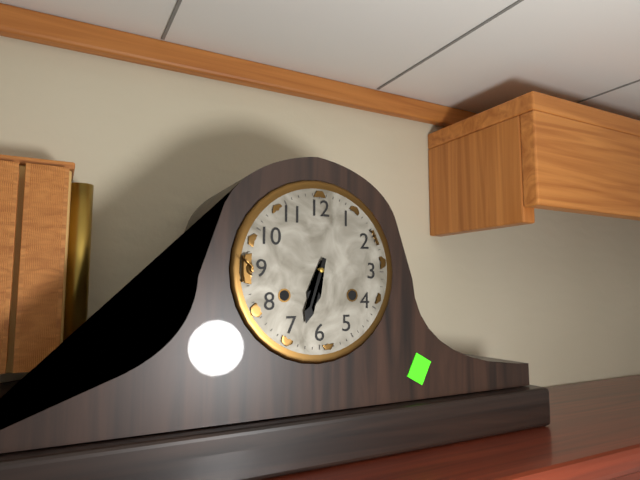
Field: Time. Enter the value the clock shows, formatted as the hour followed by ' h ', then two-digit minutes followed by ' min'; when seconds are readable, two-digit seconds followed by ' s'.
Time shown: 6 h 33 min
